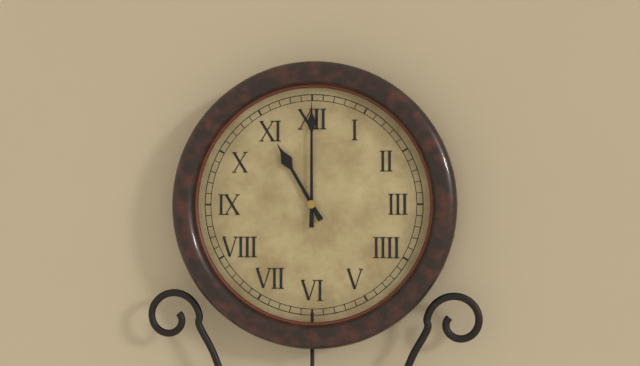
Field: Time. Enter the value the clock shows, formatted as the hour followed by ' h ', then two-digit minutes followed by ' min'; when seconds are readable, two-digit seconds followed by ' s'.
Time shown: 11 h 00 min
